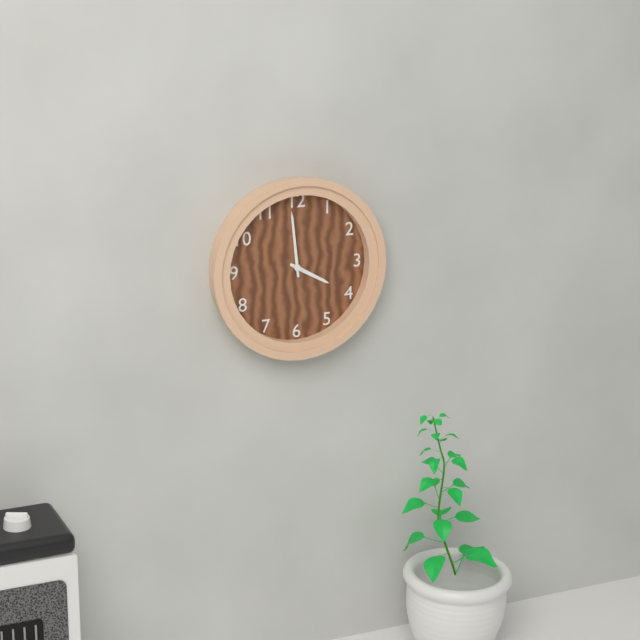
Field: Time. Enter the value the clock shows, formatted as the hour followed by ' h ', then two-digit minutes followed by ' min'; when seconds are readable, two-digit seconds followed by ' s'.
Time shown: 3 h 59 min
